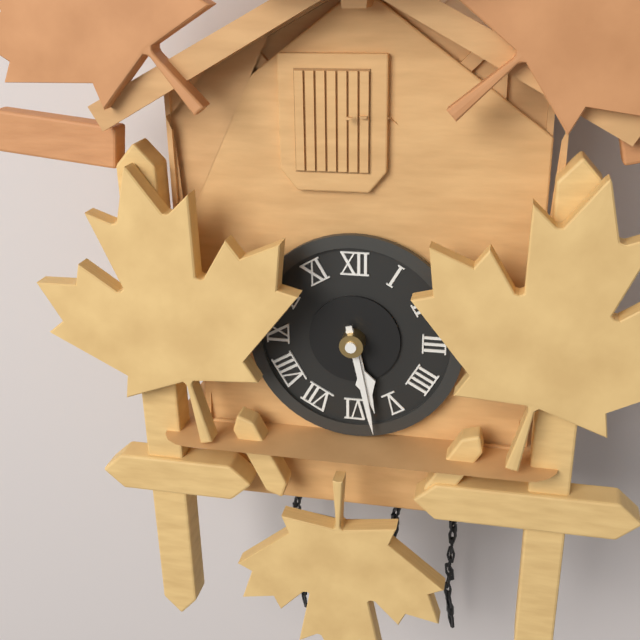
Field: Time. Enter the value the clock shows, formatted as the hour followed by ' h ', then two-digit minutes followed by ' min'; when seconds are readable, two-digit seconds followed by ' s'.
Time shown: 5 h 28 min
